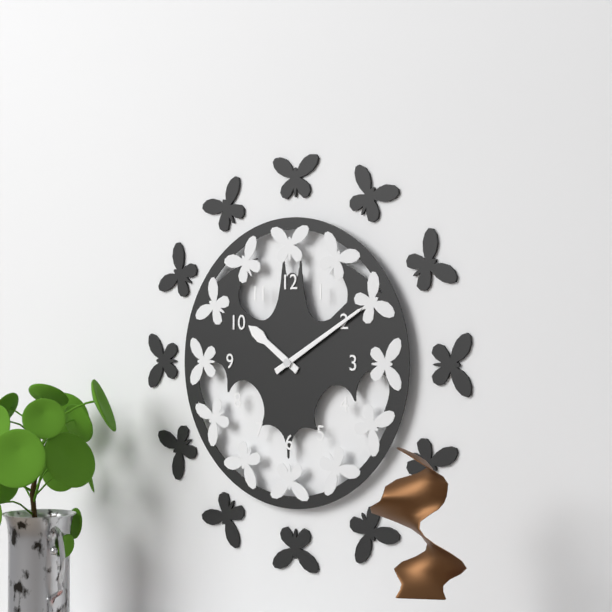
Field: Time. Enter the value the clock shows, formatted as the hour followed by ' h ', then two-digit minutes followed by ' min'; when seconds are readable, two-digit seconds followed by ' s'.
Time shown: 10 h 10 min
